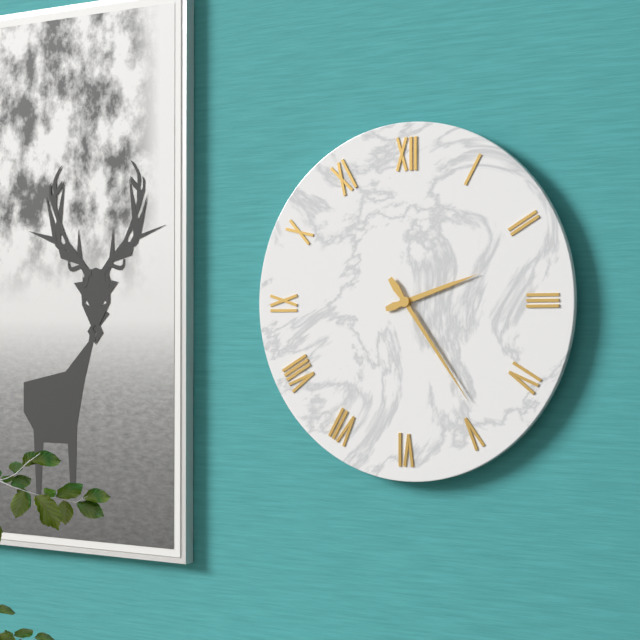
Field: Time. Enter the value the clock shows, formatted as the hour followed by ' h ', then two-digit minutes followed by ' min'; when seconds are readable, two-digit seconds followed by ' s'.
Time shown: 2 h 24 min
